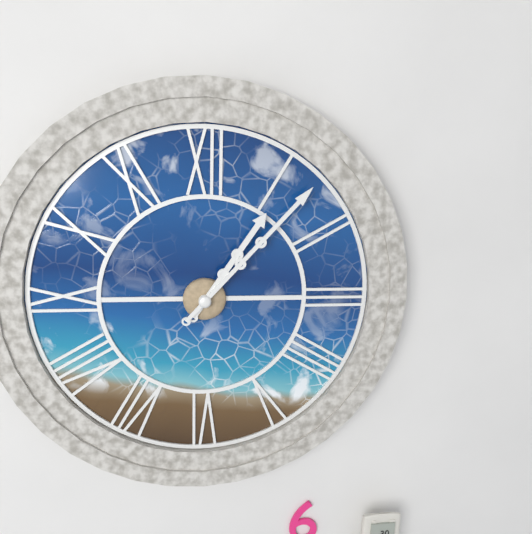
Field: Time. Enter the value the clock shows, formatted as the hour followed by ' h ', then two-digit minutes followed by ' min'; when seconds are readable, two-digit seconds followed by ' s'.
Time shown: 1 h 07 min
